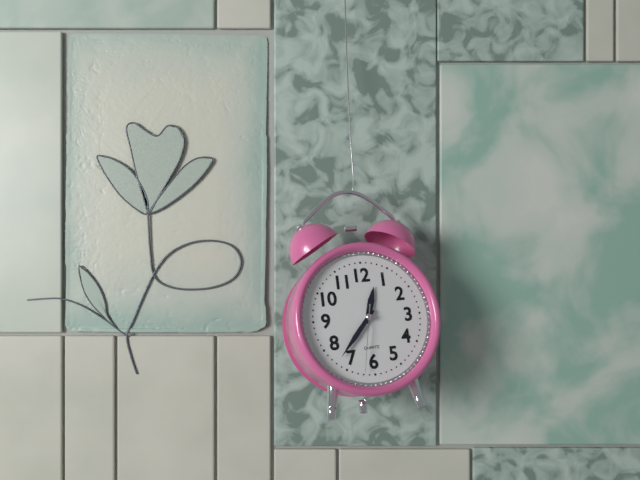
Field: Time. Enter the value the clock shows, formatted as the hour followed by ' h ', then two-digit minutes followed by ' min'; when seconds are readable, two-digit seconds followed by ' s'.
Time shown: 12 h 37 min 32 s
